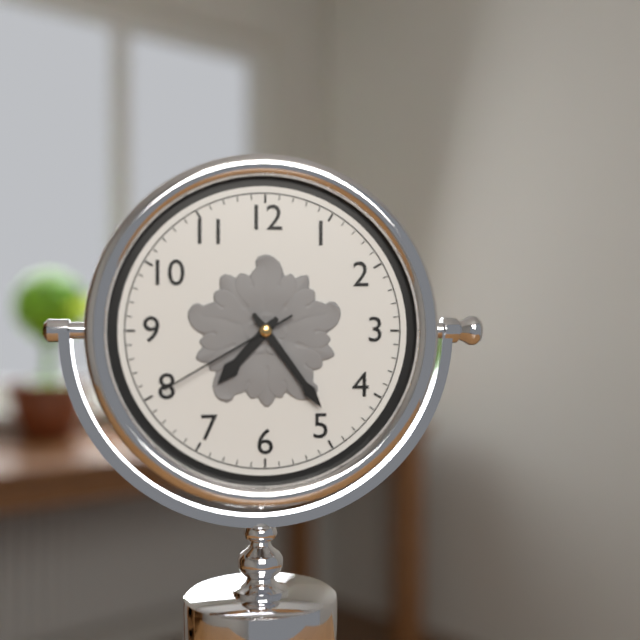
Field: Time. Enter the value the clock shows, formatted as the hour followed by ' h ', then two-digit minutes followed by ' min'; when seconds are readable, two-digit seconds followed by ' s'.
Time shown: 7 h 24 min 40 s
